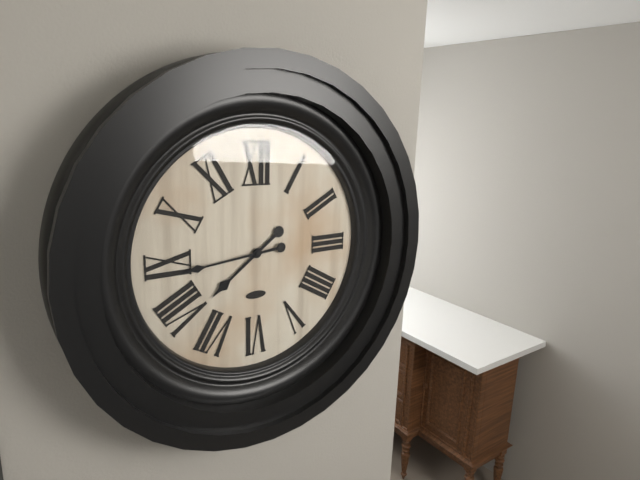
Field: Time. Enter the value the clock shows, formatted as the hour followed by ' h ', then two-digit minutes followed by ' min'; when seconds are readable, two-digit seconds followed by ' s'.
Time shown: 7 h 44 min
